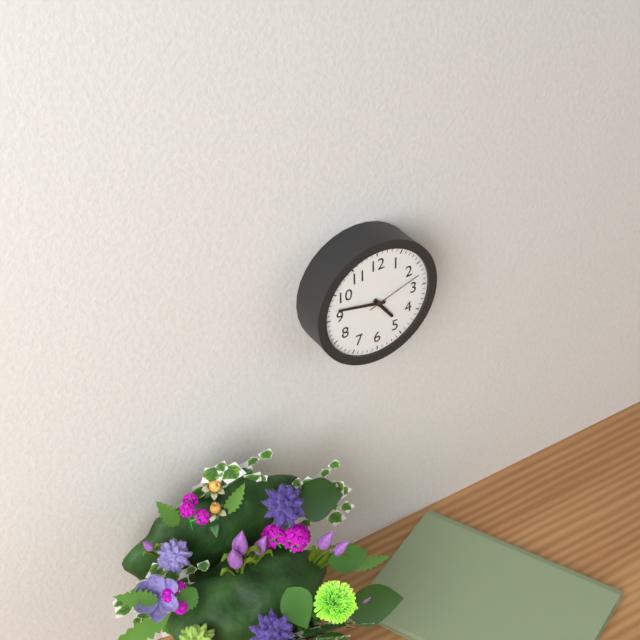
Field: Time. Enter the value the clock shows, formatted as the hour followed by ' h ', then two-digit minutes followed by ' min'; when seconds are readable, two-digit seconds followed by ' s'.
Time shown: 4 h 47 min 12 s
